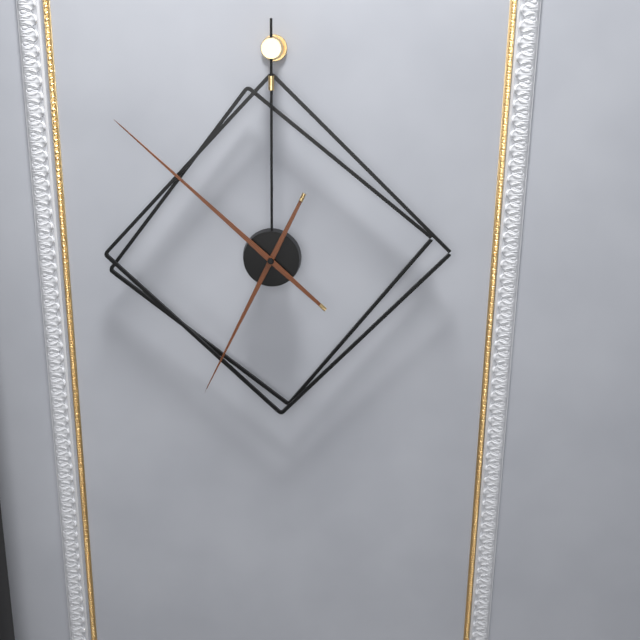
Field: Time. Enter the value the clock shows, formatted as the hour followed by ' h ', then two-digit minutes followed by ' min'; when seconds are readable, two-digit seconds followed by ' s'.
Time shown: 6 h 52 min
